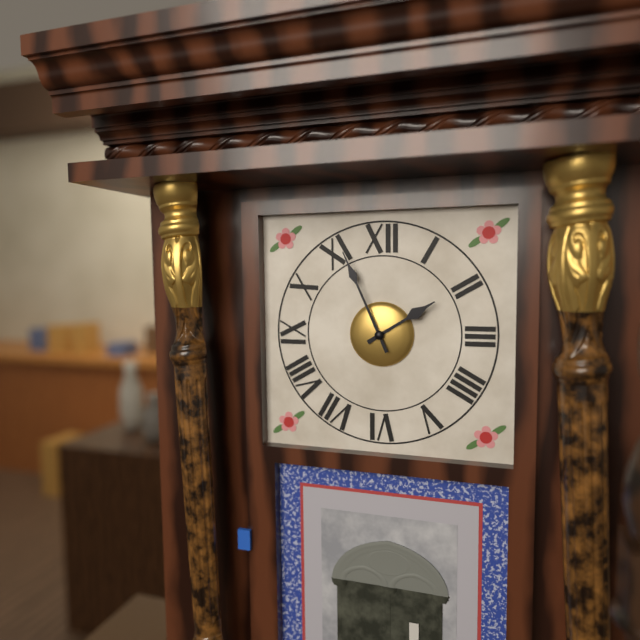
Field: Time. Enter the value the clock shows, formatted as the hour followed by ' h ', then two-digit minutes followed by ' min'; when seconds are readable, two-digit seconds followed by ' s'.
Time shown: 1 h 56 min
